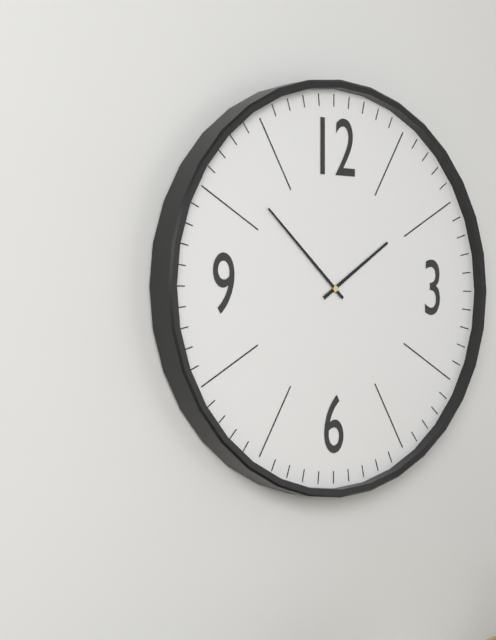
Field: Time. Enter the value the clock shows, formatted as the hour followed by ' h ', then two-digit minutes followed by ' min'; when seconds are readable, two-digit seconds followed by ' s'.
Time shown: 1 h 52 min
